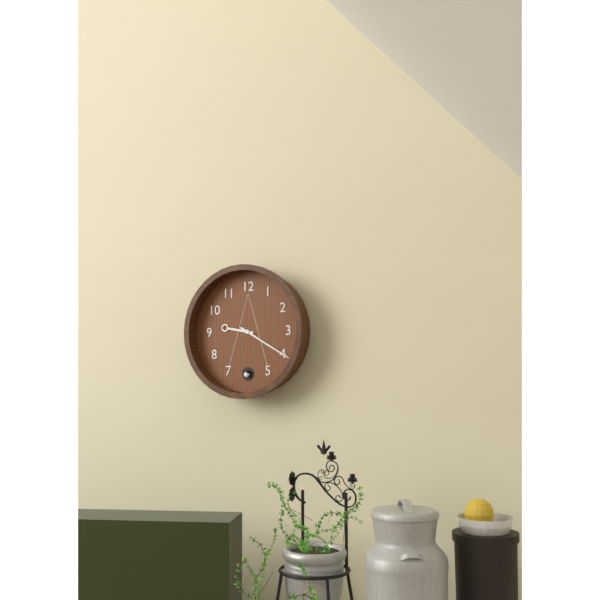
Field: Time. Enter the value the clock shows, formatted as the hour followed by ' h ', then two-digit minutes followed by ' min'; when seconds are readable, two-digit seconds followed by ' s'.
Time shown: 9 h 20 min
